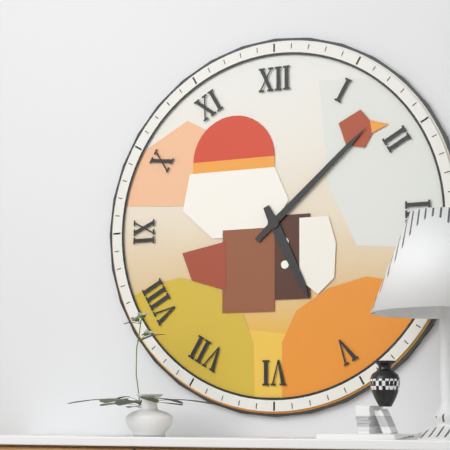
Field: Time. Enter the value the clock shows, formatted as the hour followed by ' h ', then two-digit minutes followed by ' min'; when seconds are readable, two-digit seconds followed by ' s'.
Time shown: 5 h 08 min
